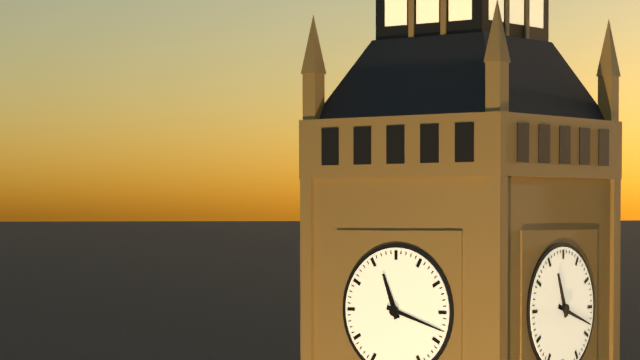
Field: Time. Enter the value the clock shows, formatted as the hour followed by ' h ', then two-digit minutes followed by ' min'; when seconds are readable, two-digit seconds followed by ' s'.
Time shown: 11 h 18 min
